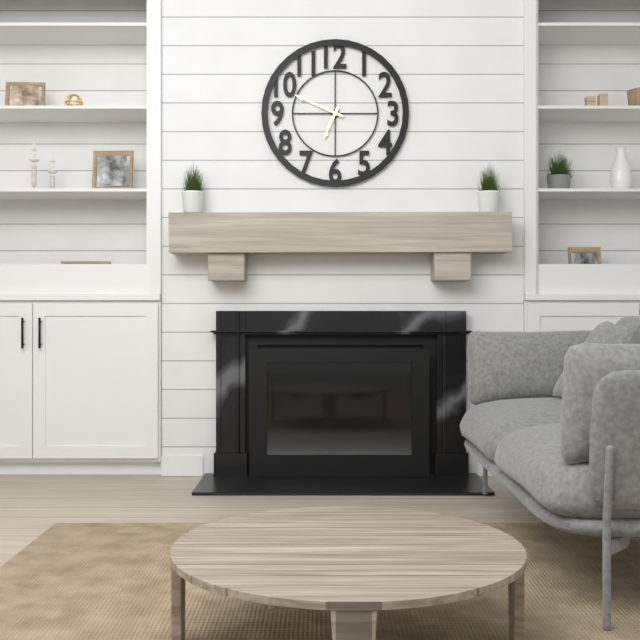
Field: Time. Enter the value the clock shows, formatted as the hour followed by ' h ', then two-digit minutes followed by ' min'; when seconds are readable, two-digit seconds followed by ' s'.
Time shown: 6 h 49 min
